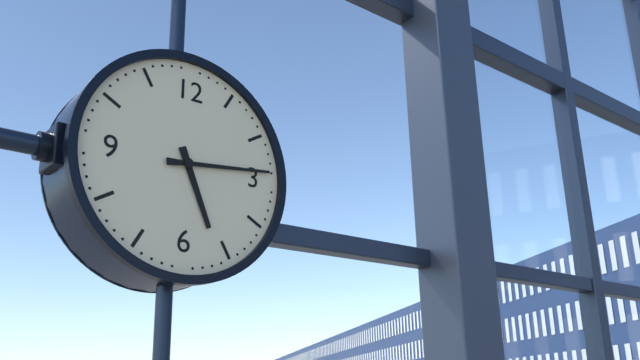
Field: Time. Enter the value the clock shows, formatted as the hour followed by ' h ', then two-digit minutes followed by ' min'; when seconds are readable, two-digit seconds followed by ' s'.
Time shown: 5 h 14 min
